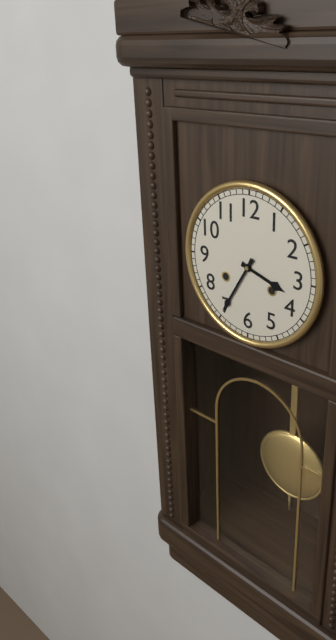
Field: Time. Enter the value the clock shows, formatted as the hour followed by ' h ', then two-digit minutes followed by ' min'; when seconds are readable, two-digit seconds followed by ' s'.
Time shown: 3 h 35 min
